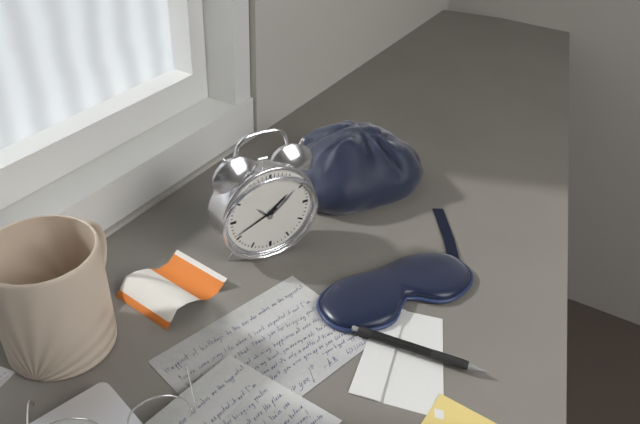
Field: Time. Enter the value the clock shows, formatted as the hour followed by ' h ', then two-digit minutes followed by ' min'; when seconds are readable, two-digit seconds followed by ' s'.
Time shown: 1 h 41 min
